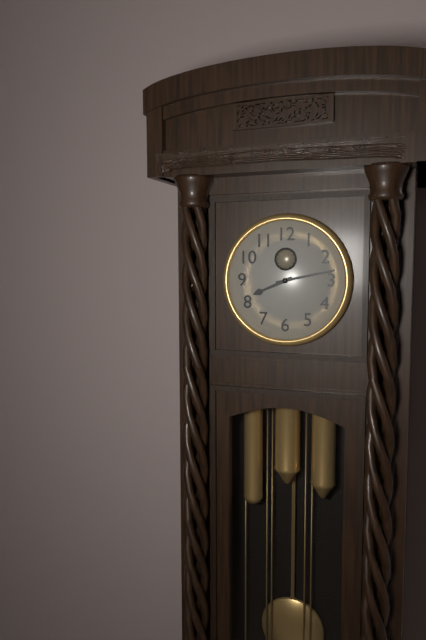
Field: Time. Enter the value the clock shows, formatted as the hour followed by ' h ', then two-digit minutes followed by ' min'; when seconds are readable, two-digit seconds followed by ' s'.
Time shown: 8 h 13 min
